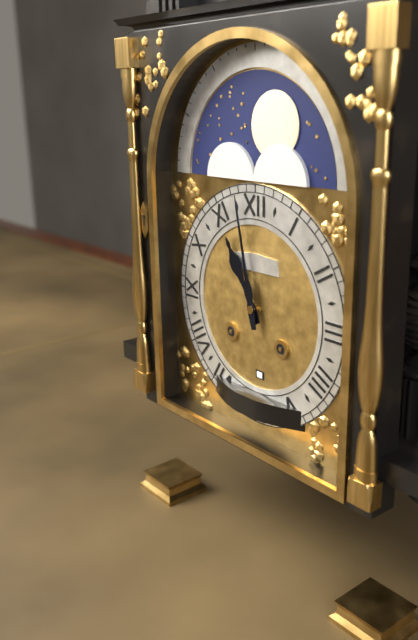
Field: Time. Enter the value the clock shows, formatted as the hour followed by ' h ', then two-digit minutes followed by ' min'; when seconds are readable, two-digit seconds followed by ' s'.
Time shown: 10 h 58 min
